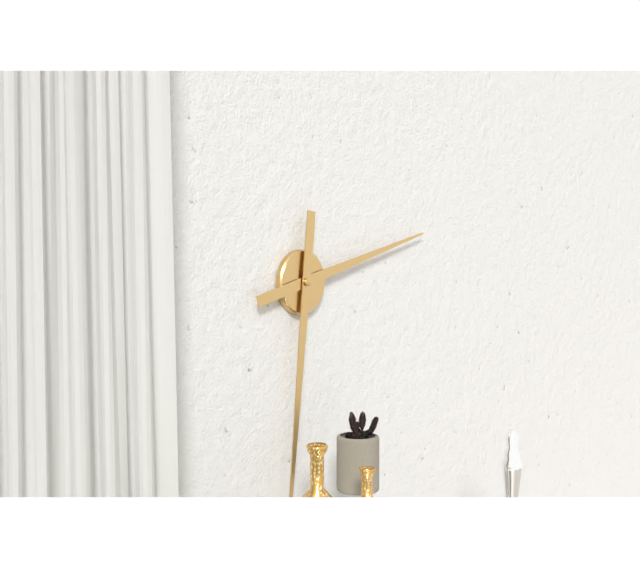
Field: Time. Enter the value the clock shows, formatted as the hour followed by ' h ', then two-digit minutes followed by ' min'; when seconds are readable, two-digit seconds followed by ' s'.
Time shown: 2 h 31 min
